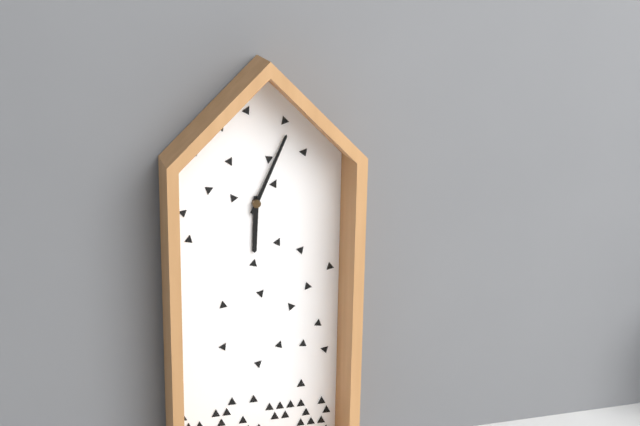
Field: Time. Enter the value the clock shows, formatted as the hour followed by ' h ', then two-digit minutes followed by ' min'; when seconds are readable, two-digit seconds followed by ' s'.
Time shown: 6 h 04 min
